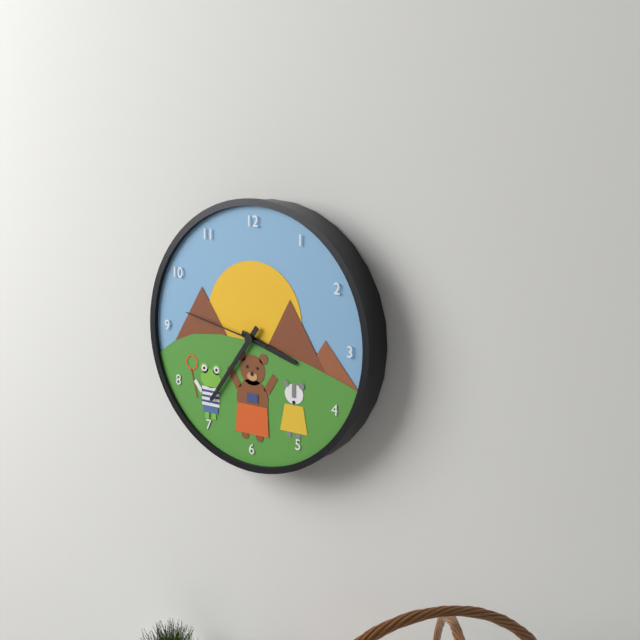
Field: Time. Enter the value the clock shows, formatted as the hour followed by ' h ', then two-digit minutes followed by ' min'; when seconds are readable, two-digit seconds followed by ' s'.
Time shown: 3 h 36 min 47 s
